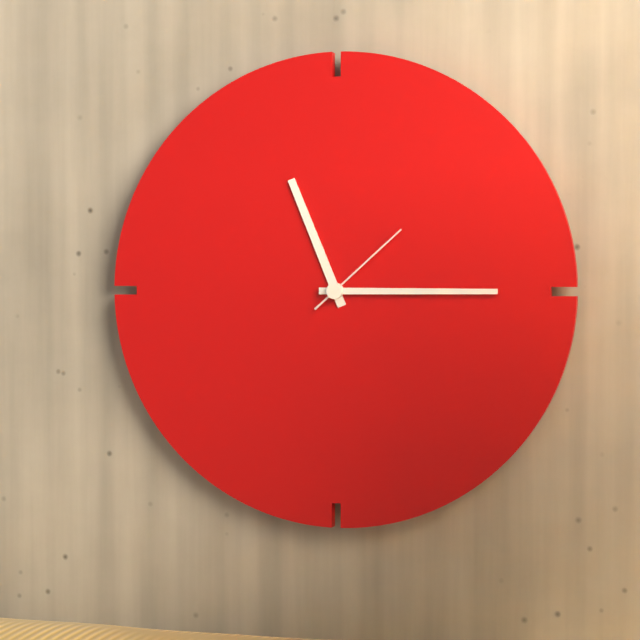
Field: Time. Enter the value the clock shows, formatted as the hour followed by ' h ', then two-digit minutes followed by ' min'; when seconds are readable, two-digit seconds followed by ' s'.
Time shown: 11 h 15 min 08 s
